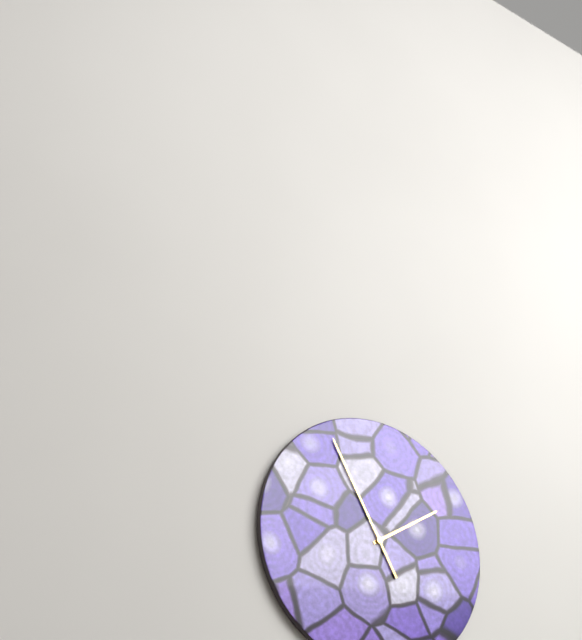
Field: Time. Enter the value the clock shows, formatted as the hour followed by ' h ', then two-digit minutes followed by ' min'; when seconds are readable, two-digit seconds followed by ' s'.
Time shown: 1 h 55 min
